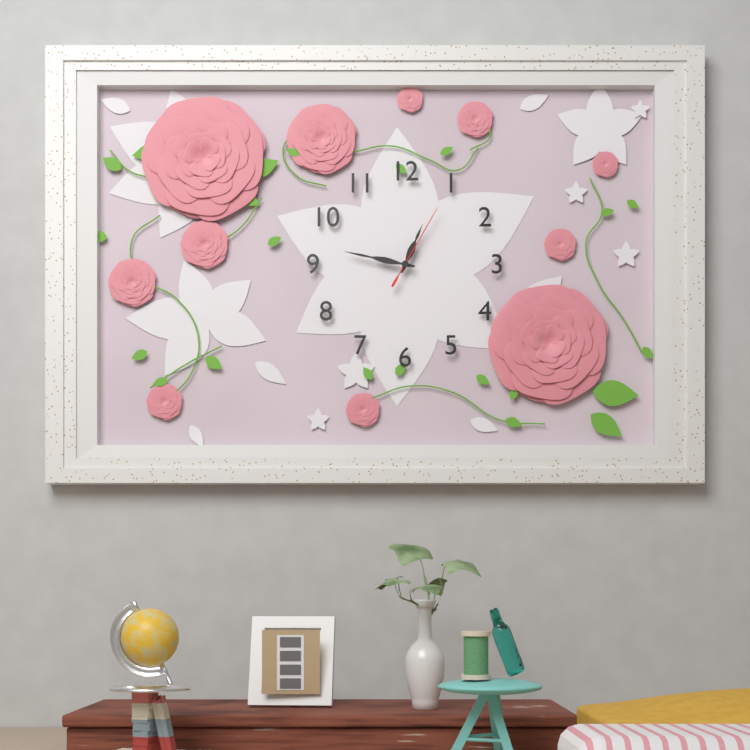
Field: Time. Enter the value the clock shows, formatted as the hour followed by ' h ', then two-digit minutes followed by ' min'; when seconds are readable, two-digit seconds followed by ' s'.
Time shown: 12 h 47 min 05 s
